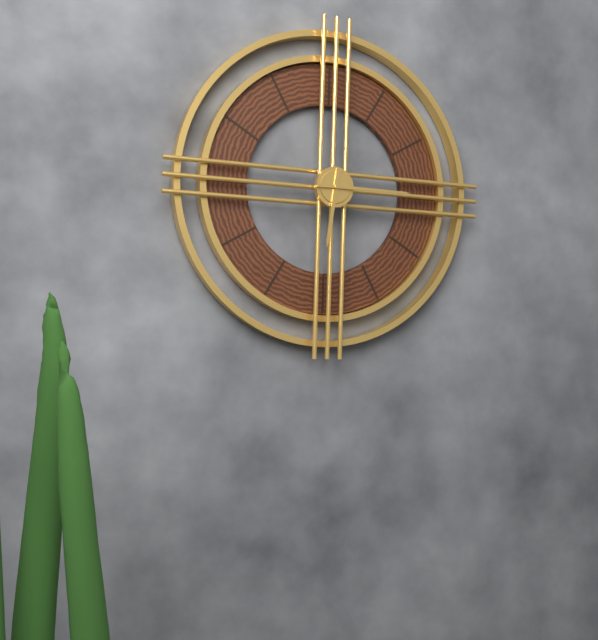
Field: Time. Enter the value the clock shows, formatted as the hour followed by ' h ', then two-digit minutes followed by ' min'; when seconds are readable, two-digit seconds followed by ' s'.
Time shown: 6 h 15 min
